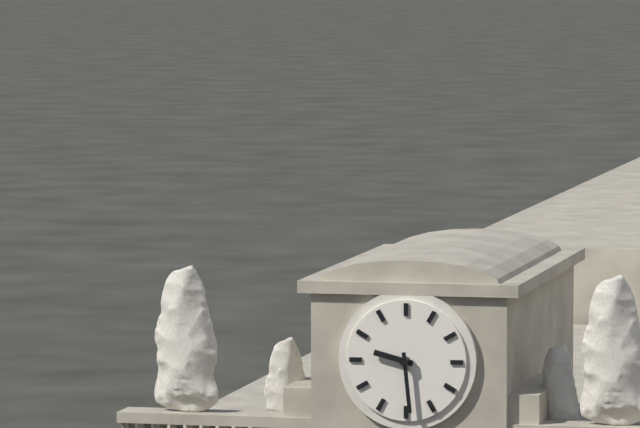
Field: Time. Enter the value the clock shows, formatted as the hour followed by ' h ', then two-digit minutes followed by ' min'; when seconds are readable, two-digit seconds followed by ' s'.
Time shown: 9 h 29 min
